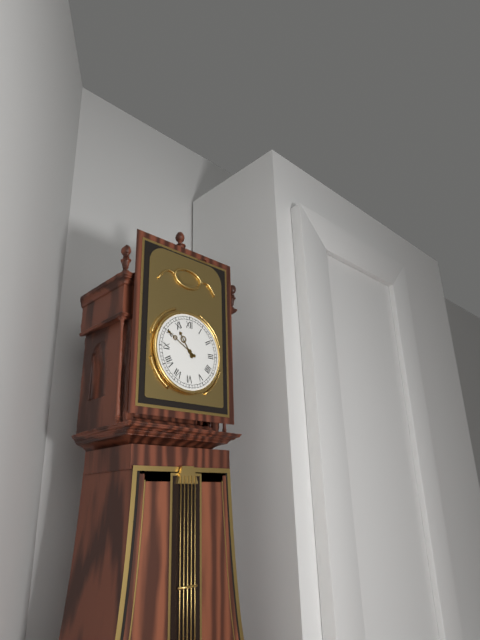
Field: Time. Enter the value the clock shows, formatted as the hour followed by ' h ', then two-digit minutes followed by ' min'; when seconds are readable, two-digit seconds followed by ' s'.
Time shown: 10 h 50 min
